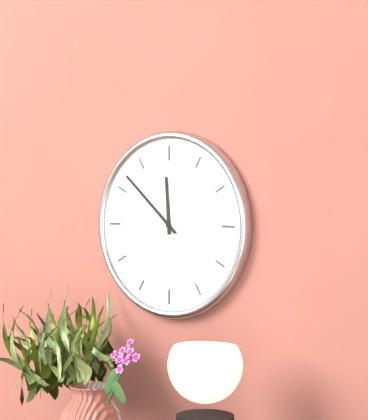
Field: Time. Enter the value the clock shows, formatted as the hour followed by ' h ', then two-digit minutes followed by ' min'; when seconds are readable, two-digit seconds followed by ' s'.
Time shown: 11 h 52 min
